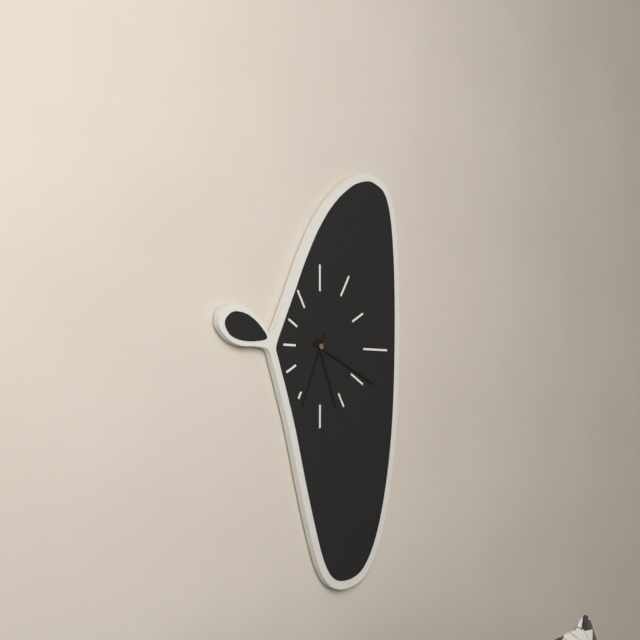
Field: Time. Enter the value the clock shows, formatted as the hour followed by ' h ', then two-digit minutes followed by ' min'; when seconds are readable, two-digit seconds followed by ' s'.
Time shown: 5 h 19 min 34 s
